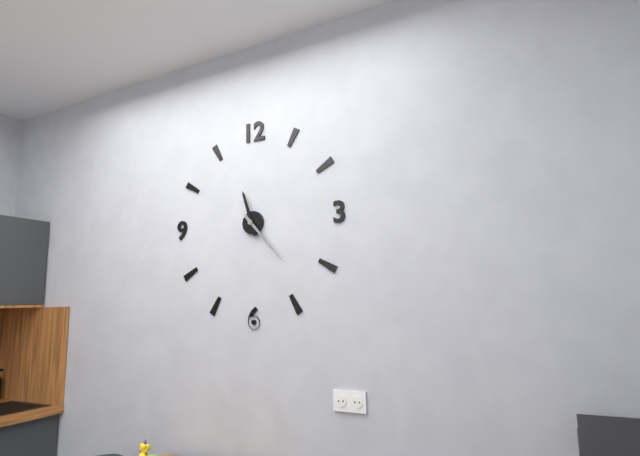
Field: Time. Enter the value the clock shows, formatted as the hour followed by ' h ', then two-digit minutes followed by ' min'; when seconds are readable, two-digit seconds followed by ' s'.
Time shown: 11 h 23 min
